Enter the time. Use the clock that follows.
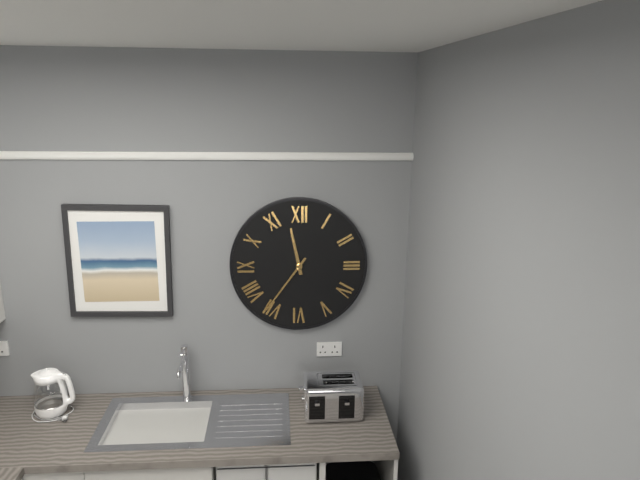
11:36
